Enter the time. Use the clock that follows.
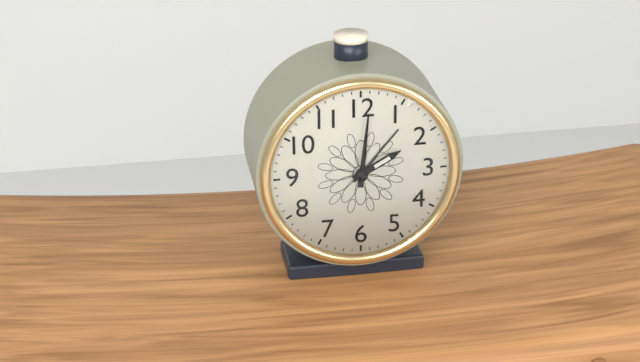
2:01
